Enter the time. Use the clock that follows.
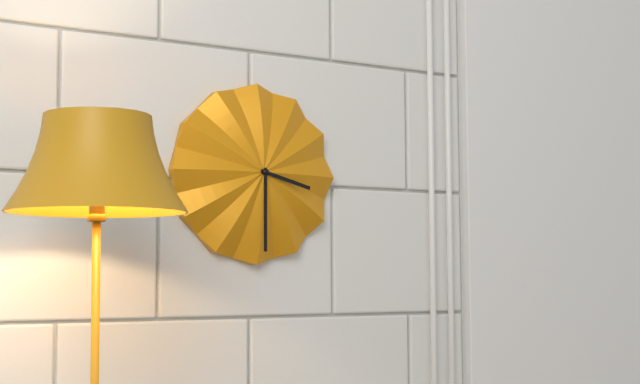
3:30
